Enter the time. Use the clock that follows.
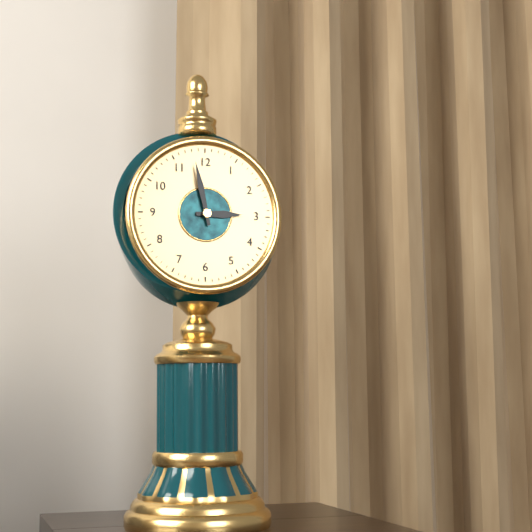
2:58
